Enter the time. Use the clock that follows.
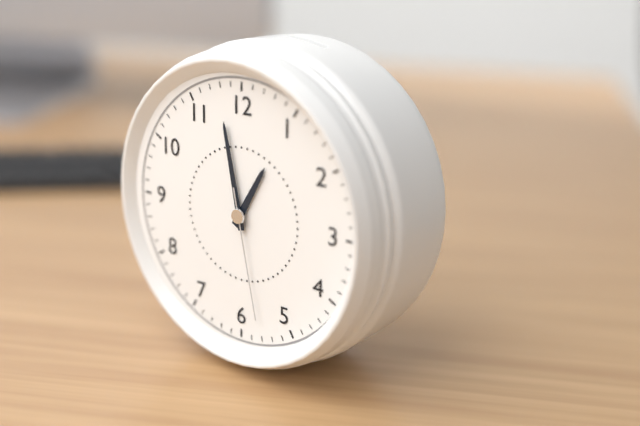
12:58:28
